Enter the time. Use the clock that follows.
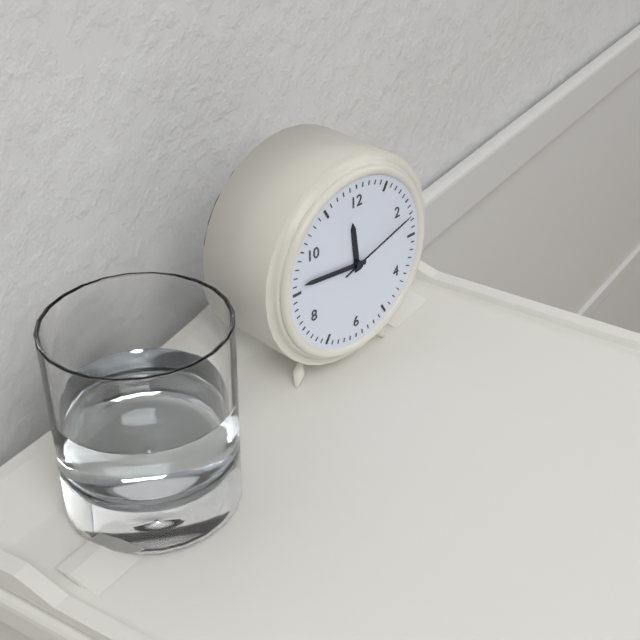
11:46:12
